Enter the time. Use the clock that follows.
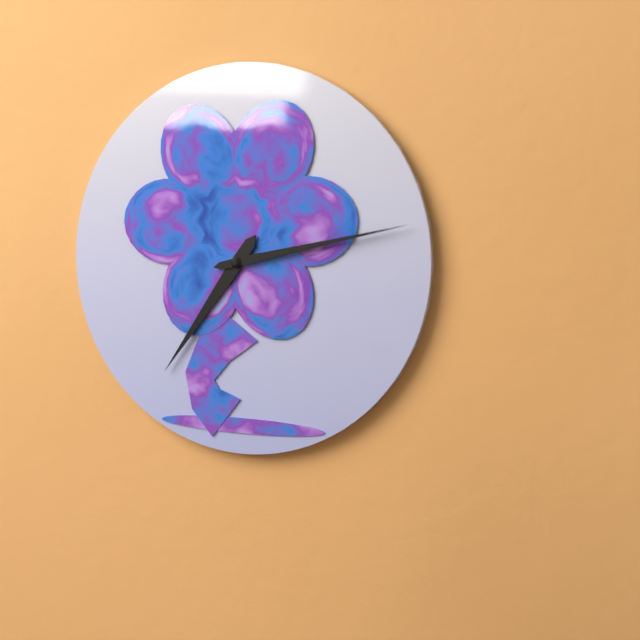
7:13
